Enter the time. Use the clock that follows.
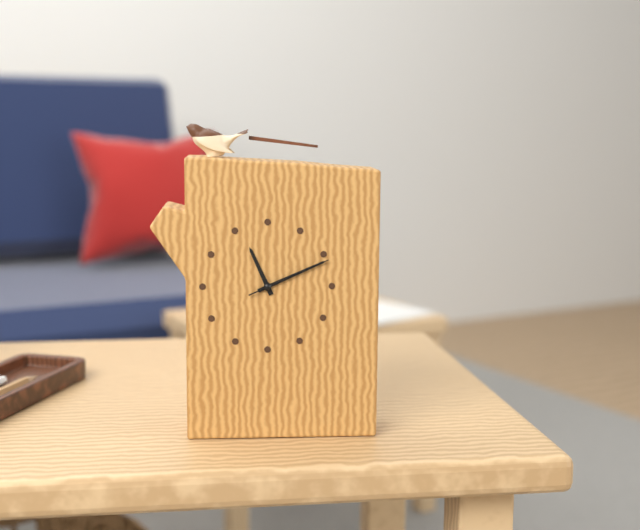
11:11:11
